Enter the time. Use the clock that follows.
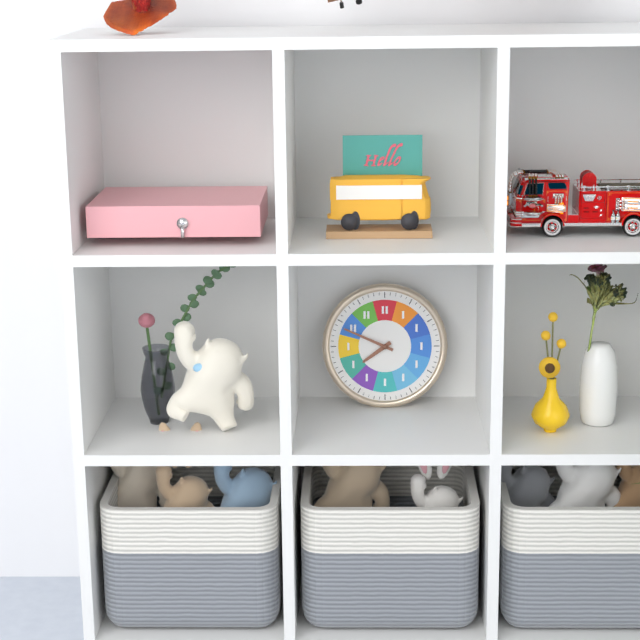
7:49
